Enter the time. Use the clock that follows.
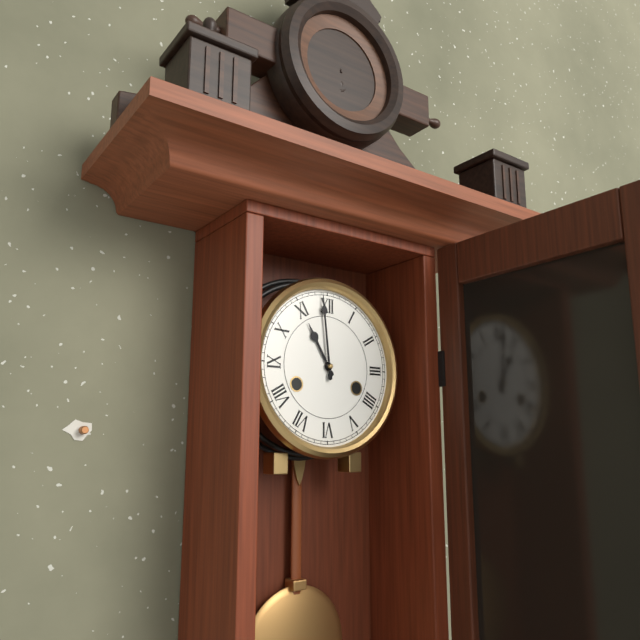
10:59
